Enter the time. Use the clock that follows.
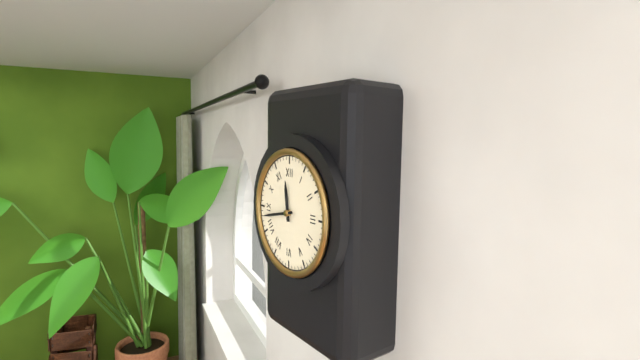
11:43
